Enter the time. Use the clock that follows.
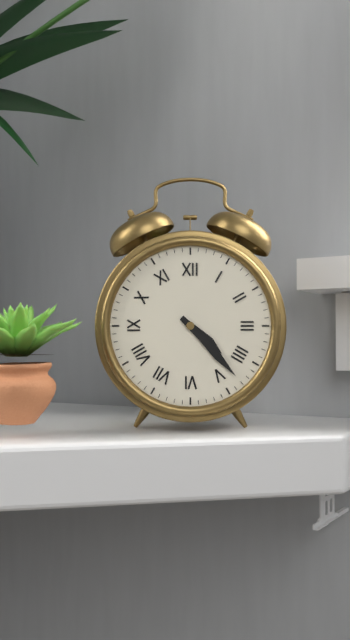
4:23
